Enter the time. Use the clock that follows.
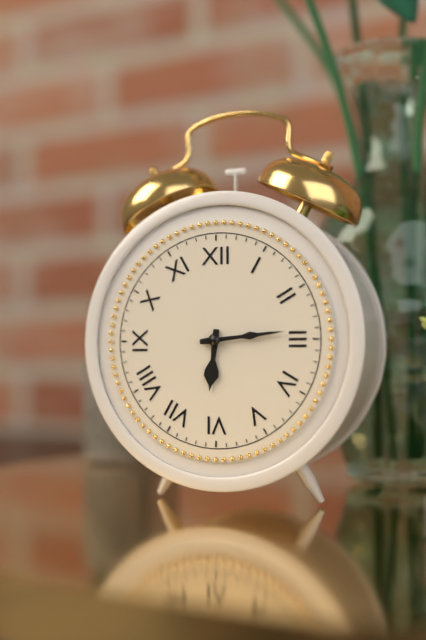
6:14
